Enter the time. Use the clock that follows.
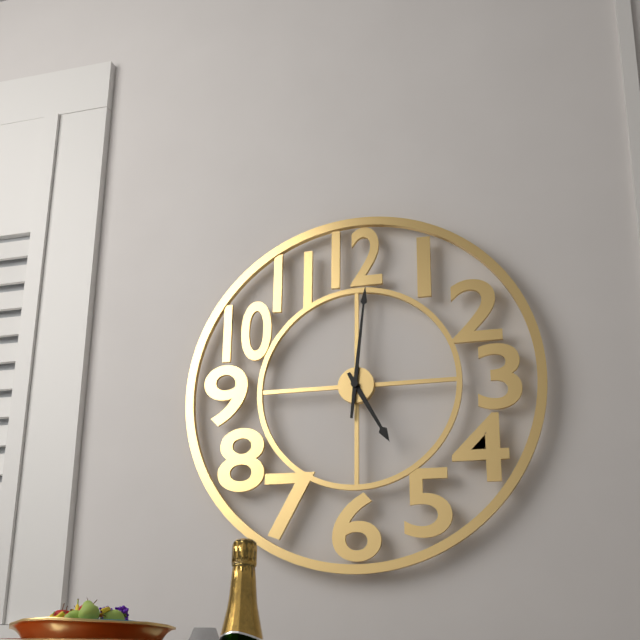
5:01
